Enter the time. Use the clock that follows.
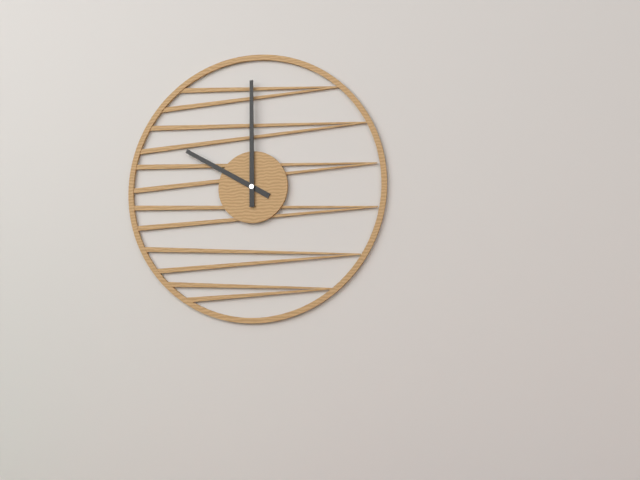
10:00
